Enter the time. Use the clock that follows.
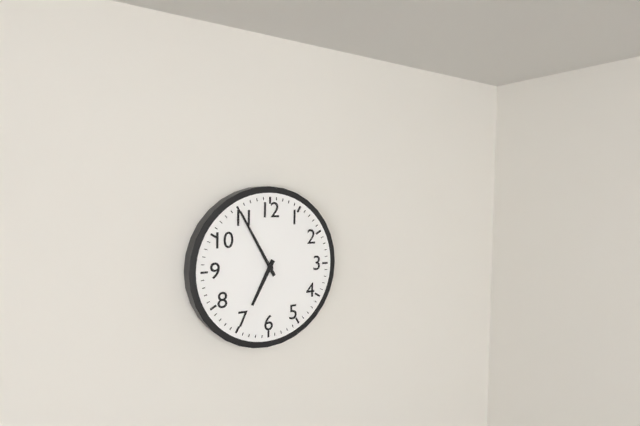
6:55
